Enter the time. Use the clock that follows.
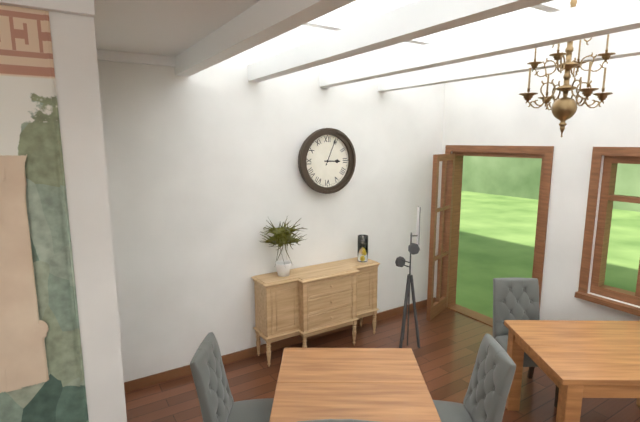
3:04
